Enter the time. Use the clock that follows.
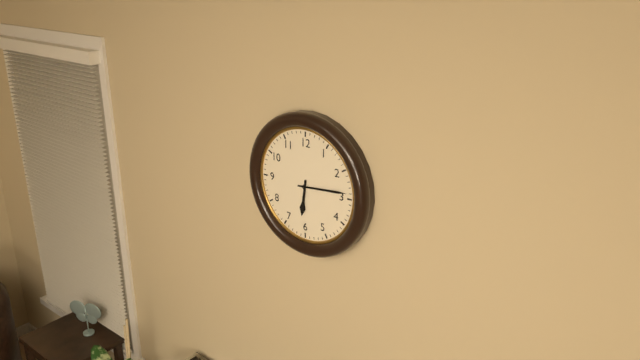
6:14
